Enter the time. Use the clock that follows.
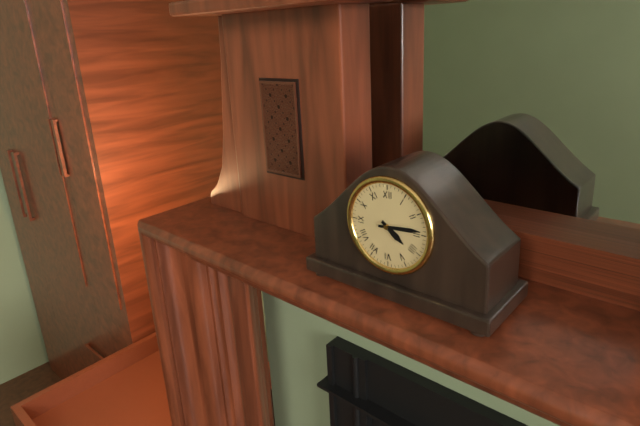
4:14
